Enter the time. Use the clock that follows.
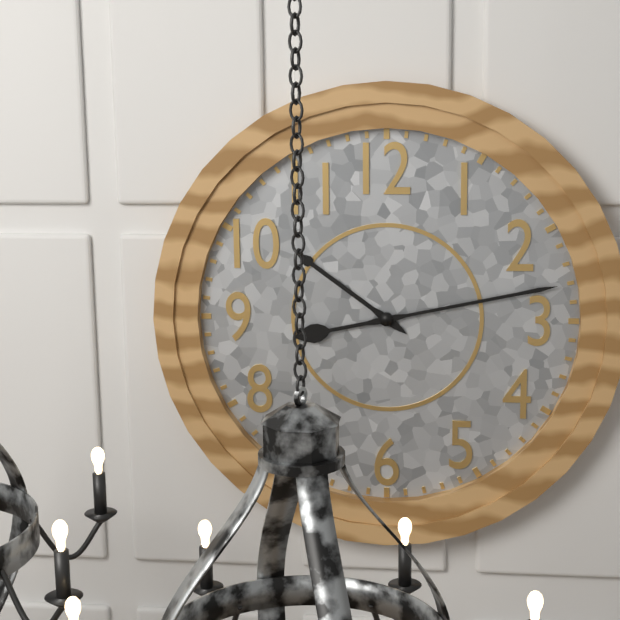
10:13
